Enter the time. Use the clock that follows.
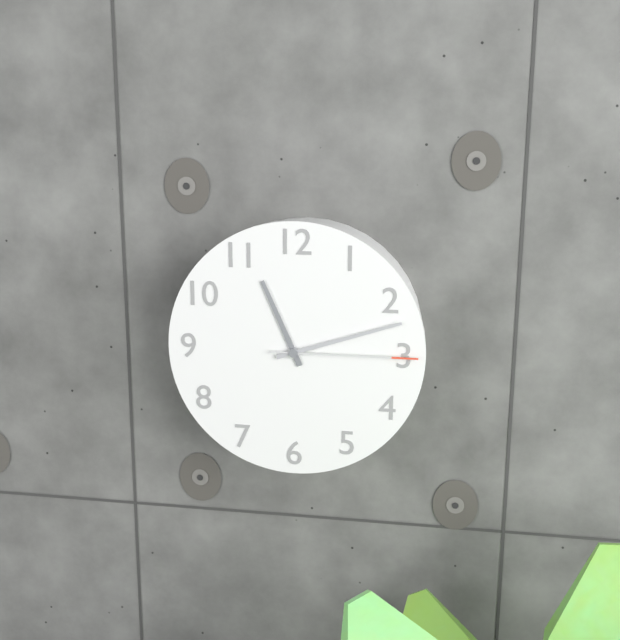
11:12:15
